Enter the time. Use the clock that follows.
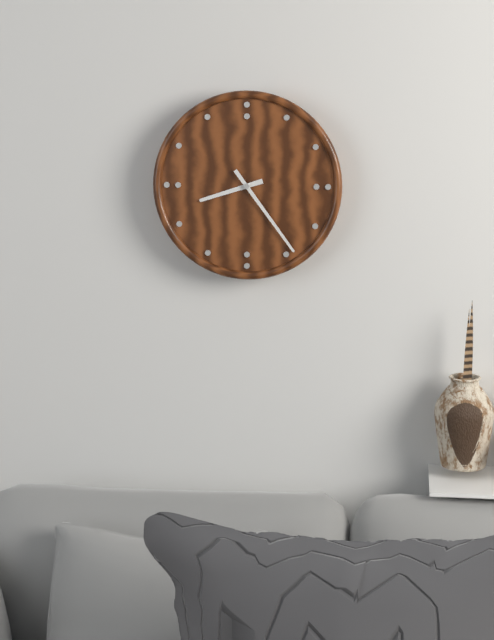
8:24
